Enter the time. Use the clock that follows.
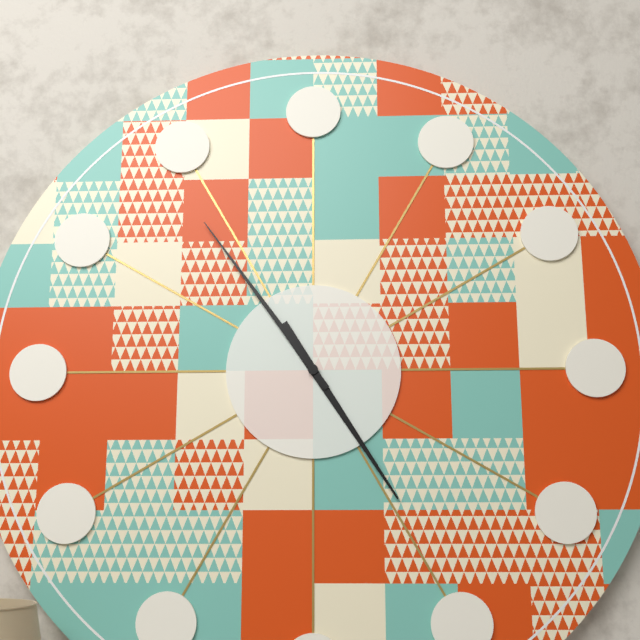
4:54
